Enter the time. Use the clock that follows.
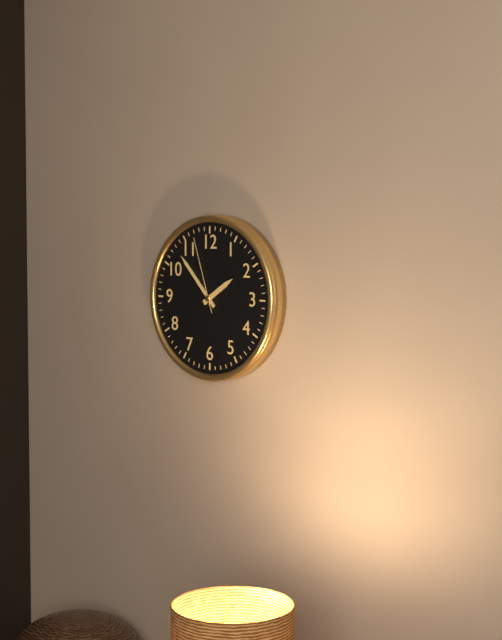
1:53:57
